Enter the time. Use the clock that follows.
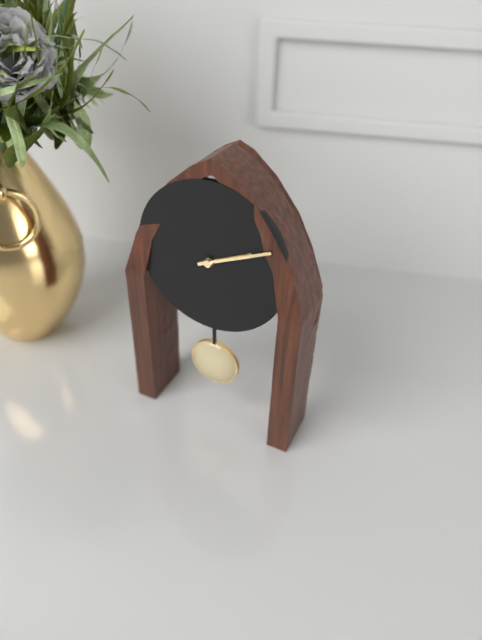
2:11
